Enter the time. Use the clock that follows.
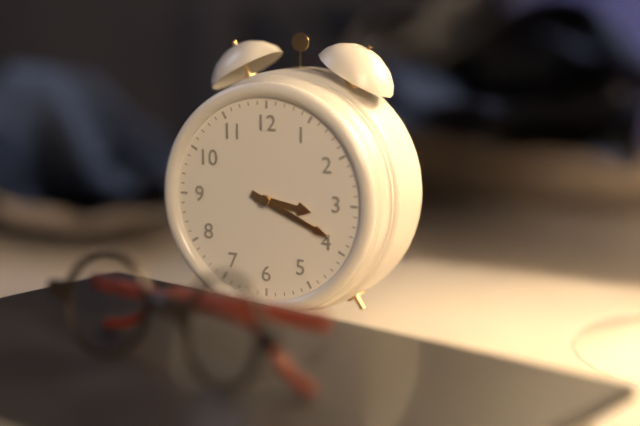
3:19
